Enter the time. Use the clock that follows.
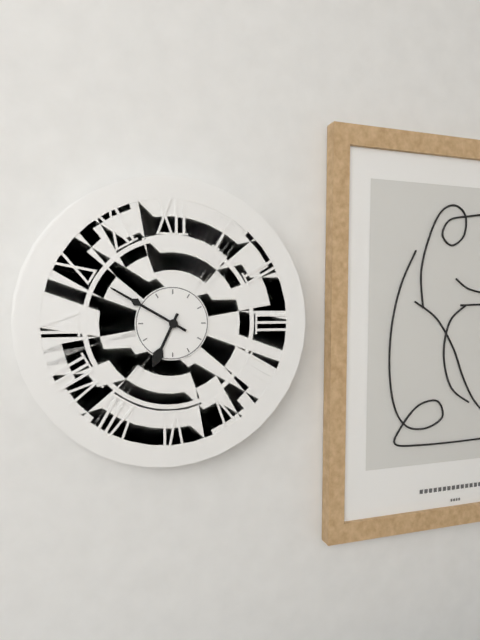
6:50
